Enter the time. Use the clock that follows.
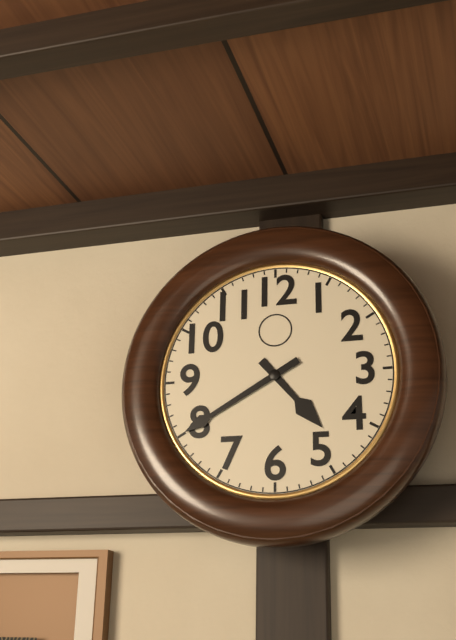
4:40
